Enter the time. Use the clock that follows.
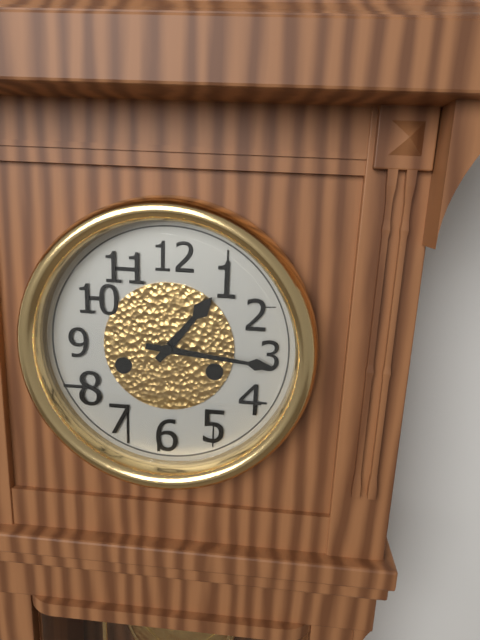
1:16
